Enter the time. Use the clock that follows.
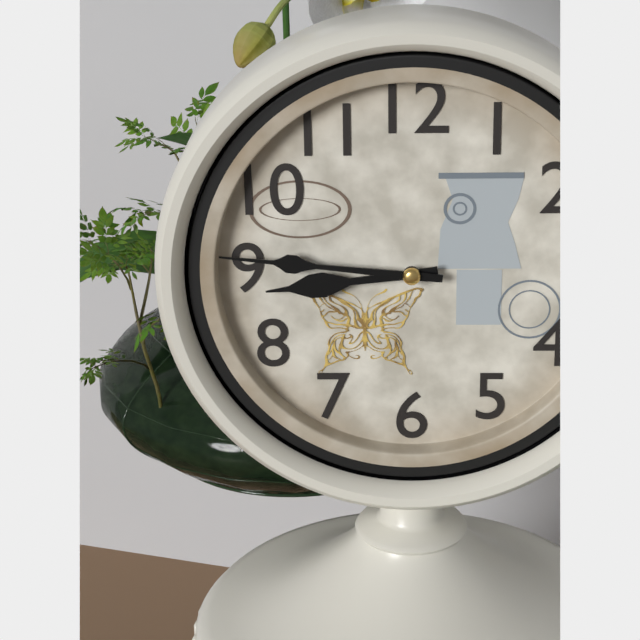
8:46
